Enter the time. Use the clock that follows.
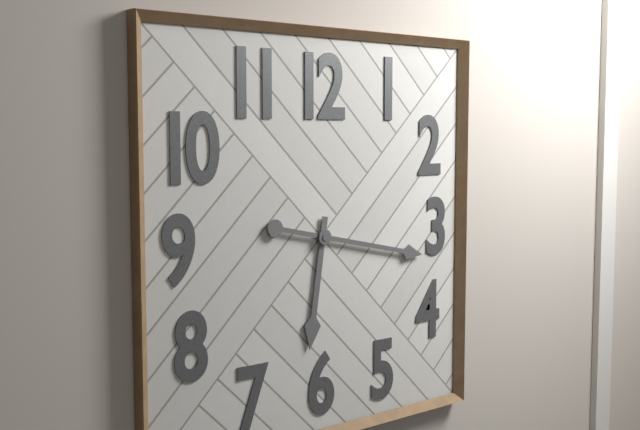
6:17
